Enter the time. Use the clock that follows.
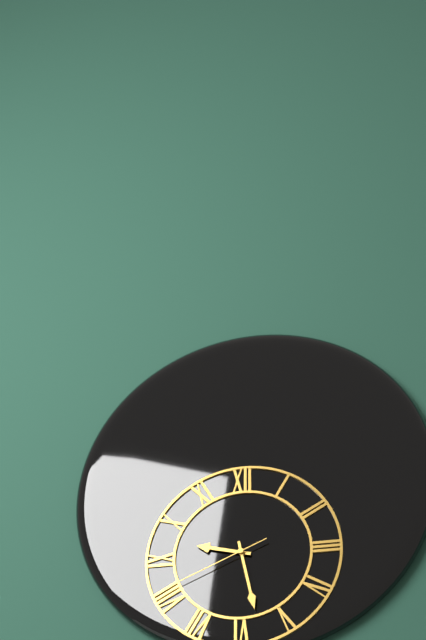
9:28:41
